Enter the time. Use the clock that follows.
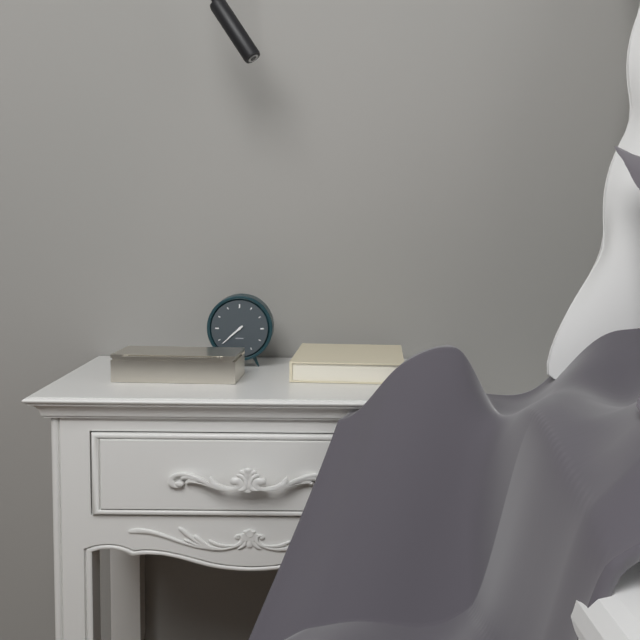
7:38
